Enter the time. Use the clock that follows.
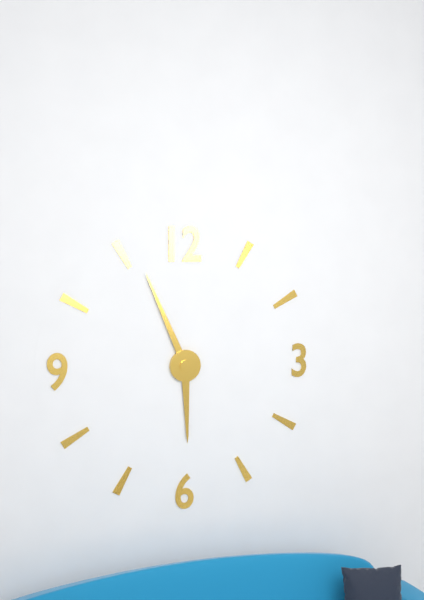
5:56
